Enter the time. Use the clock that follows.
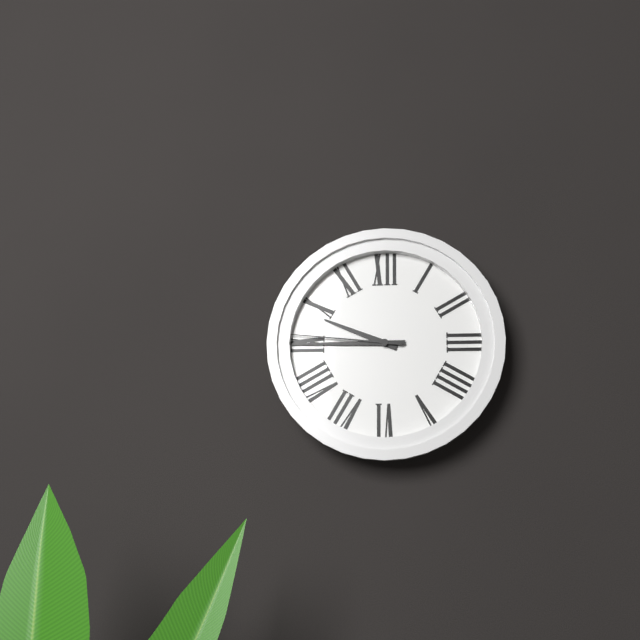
9:45:46
